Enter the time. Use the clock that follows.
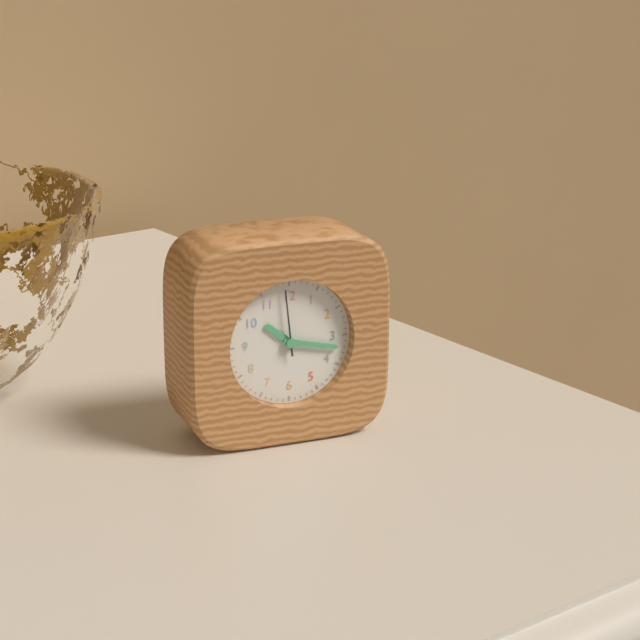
10:17:59
